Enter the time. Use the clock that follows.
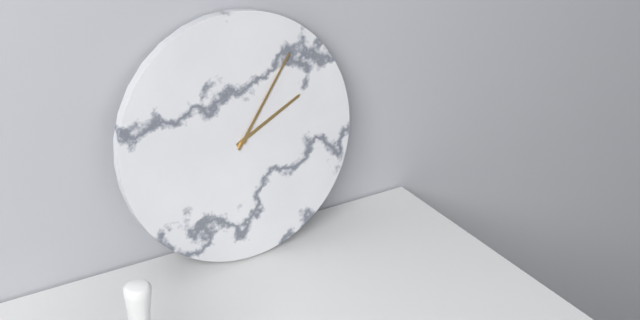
2:06
